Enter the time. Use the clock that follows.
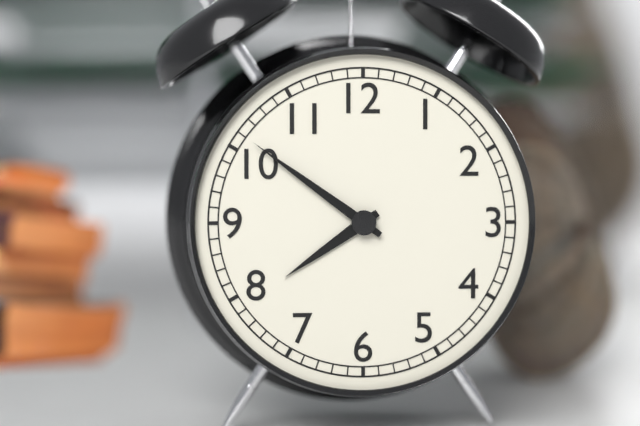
7:51
